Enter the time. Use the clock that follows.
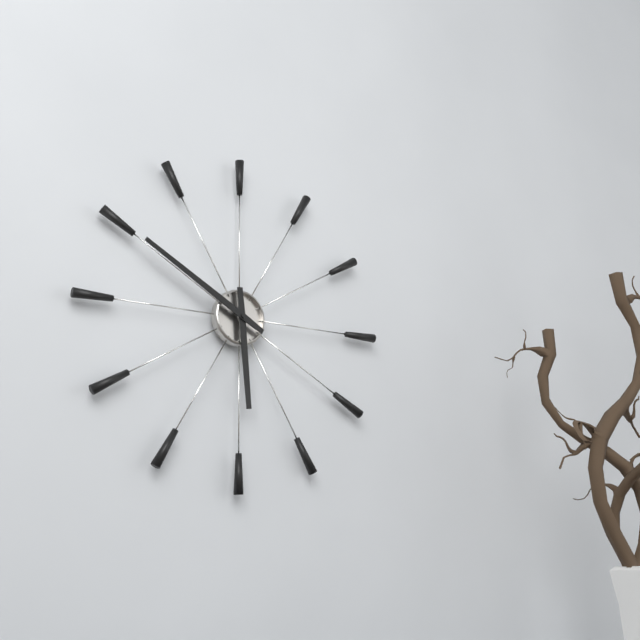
5:50
